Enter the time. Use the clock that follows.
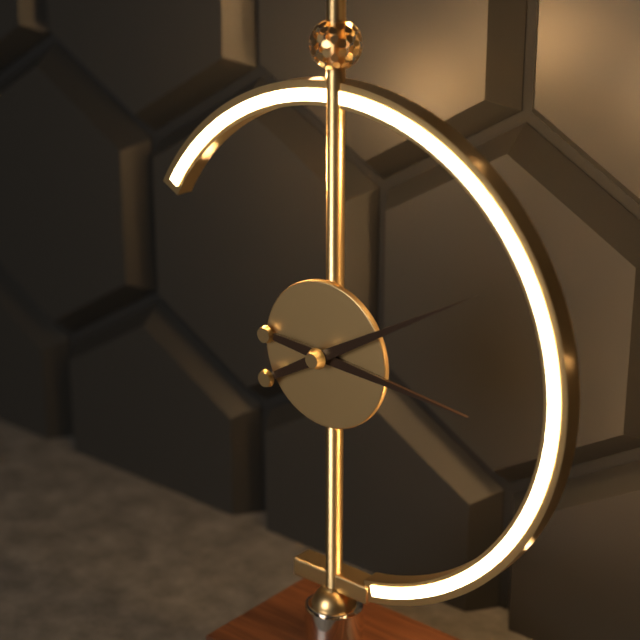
3:10
